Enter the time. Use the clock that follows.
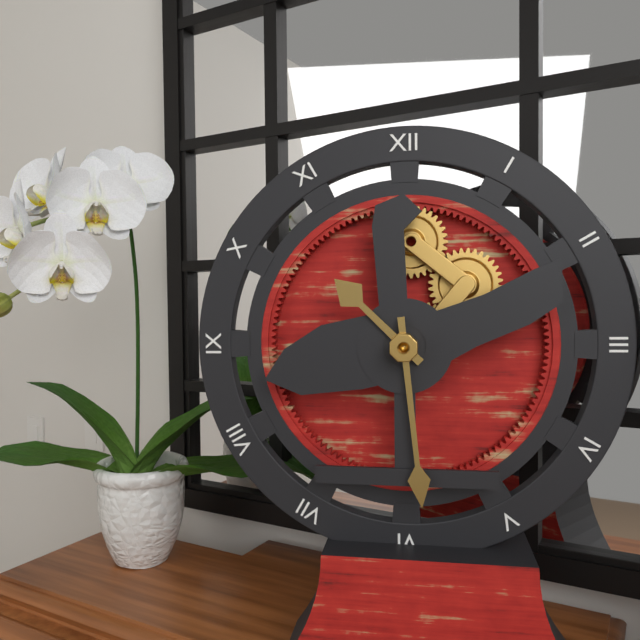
10:29
